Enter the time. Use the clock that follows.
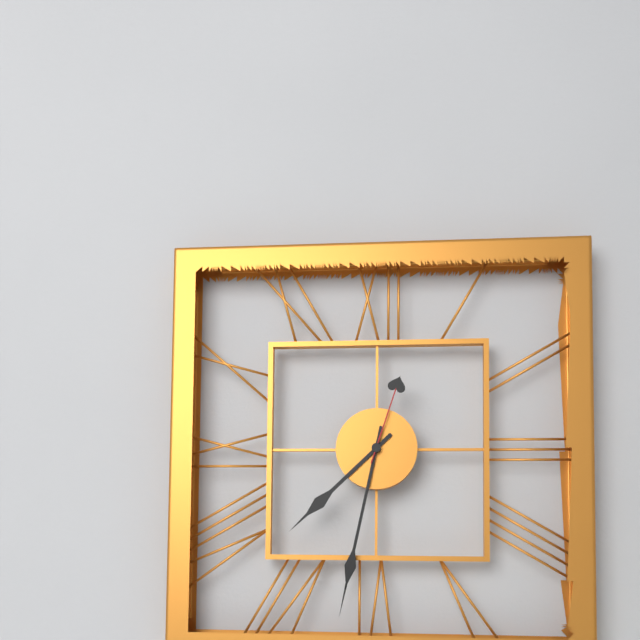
7:32:03
